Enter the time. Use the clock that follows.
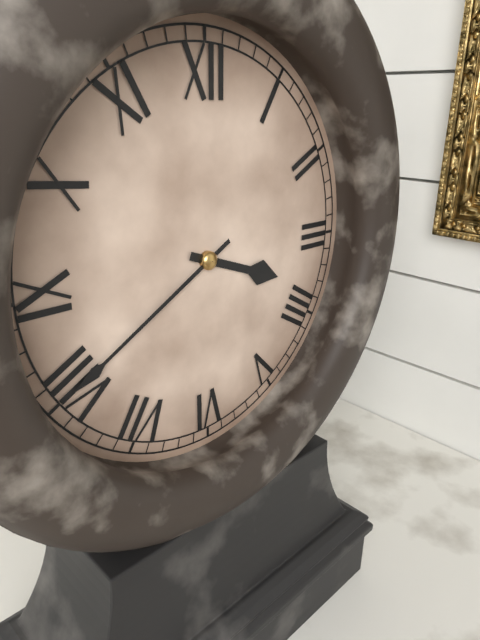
3:40
